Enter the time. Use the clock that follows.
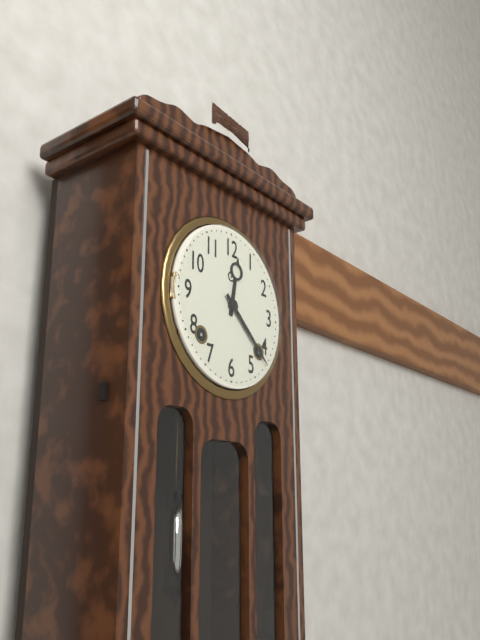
12:22
